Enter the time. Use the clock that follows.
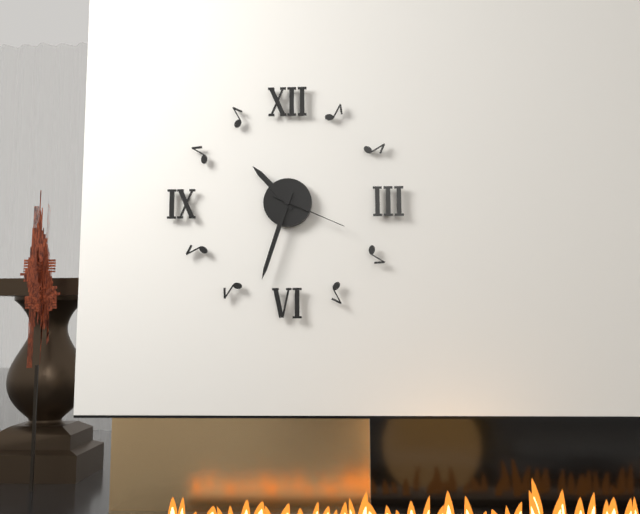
10:33:19
